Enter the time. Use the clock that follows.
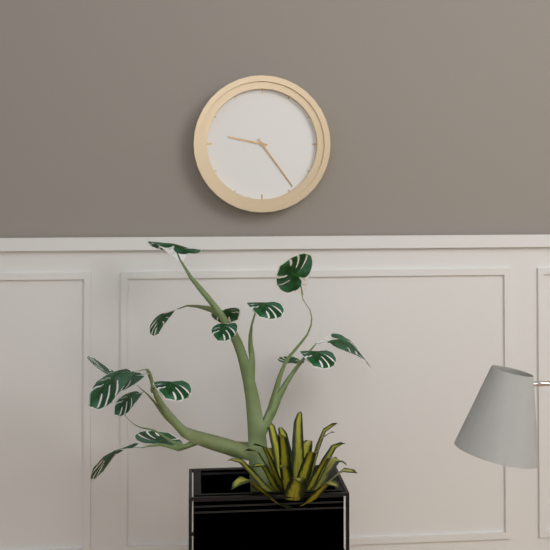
9:24
